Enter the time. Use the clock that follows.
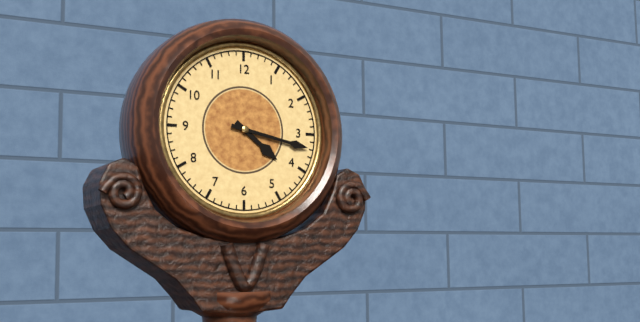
4:17
